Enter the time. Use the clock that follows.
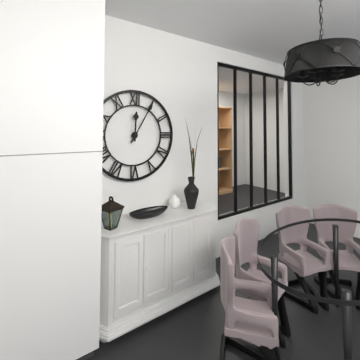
12:05
